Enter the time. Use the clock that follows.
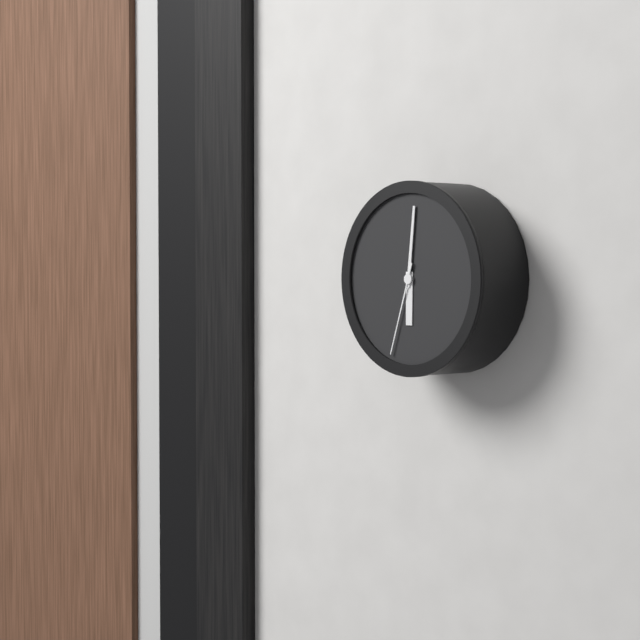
6:01:33
